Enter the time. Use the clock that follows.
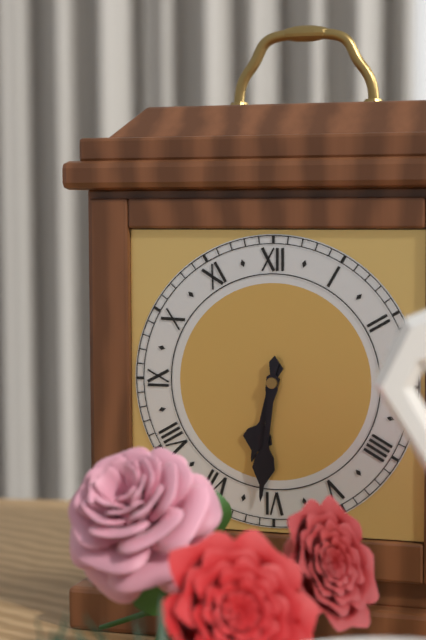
6:31
